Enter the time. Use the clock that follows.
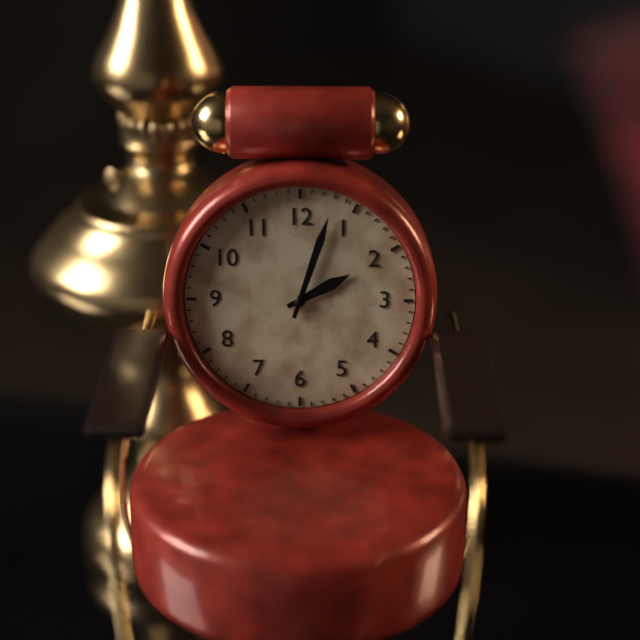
2:03
